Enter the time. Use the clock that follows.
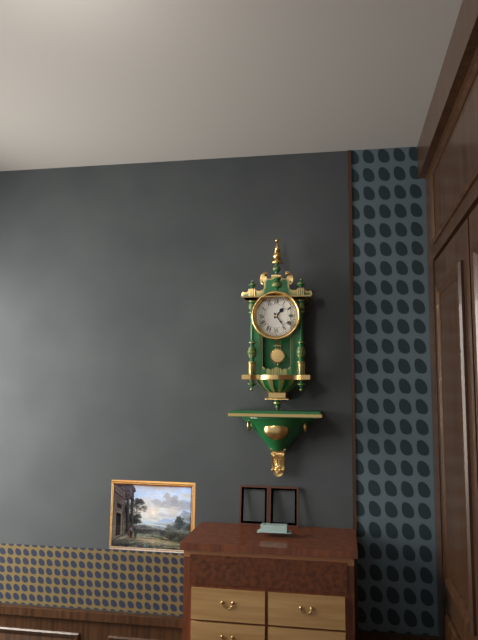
1:24
